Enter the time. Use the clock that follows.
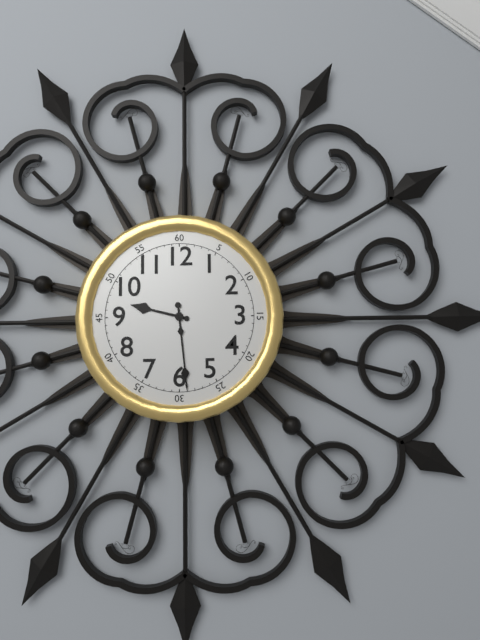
9:29
